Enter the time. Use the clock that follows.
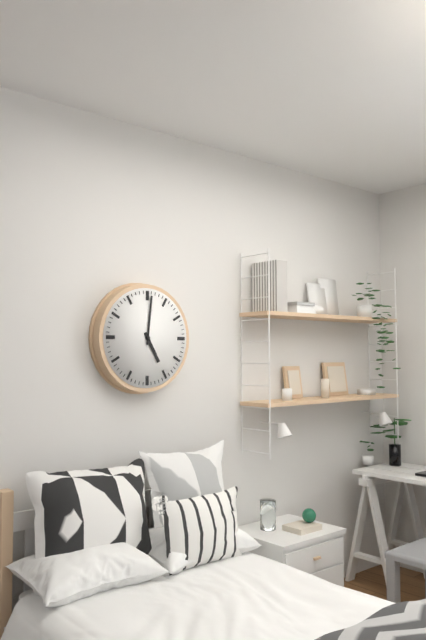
5:01
